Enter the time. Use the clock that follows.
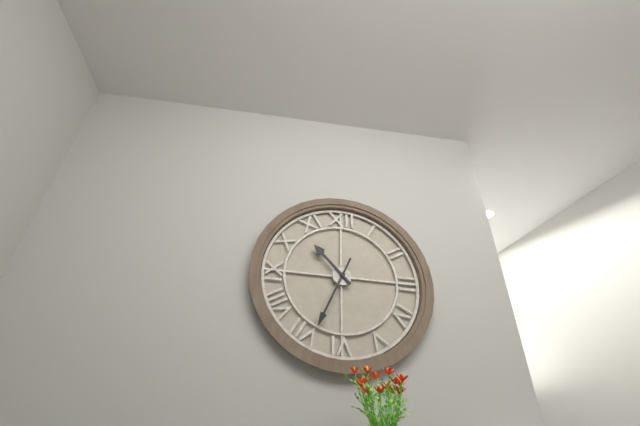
10:34
